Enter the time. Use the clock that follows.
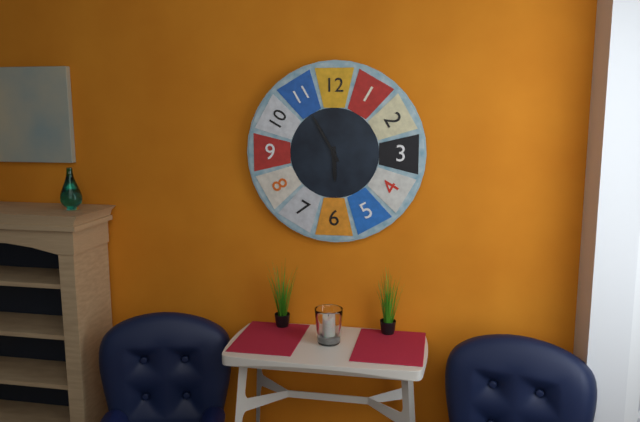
5:55
